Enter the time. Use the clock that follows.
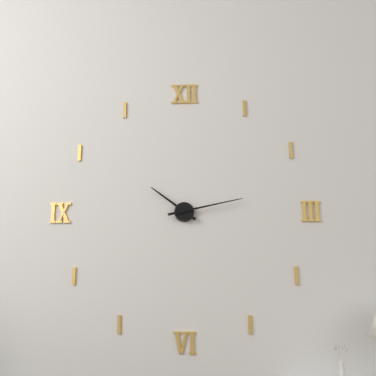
10:13
